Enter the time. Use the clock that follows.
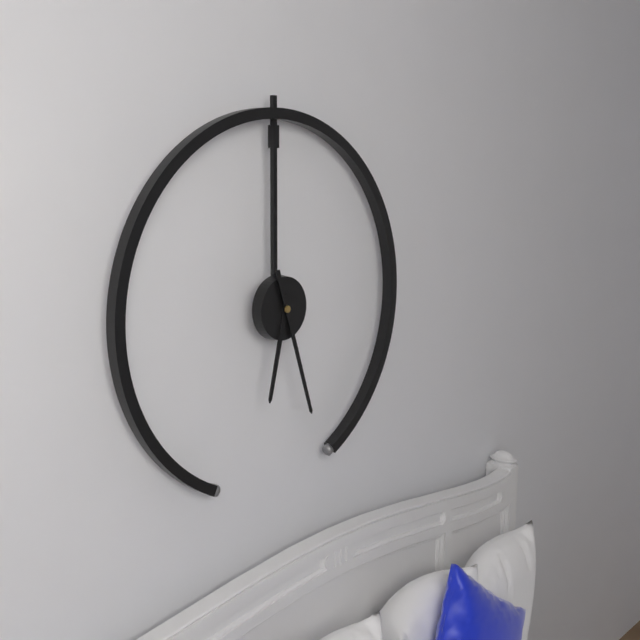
6:27
